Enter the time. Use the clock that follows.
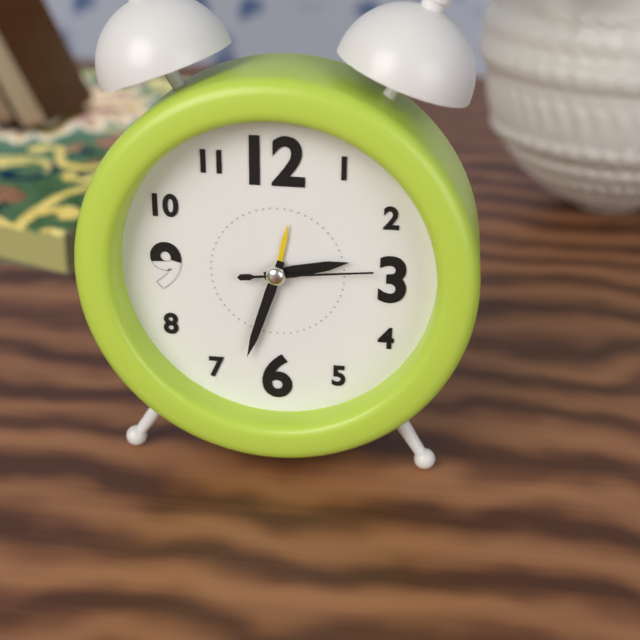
2:33:14
